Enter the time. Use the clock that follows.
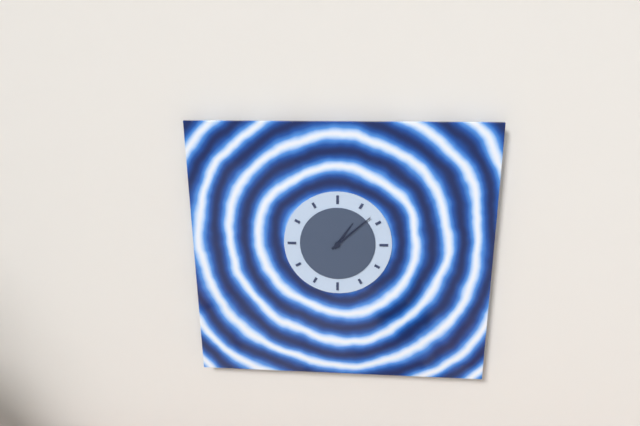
1:08
